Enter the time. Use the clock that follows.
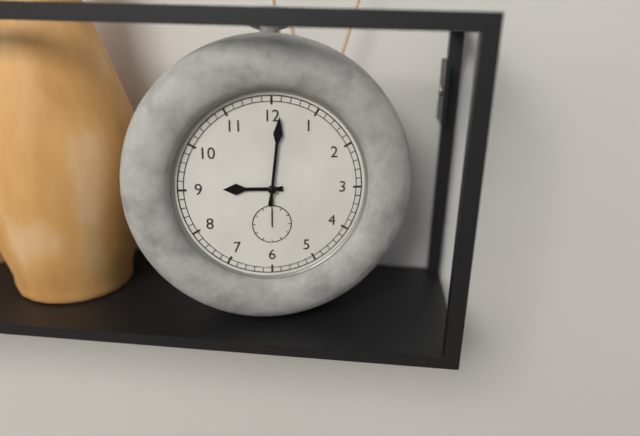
9:01
